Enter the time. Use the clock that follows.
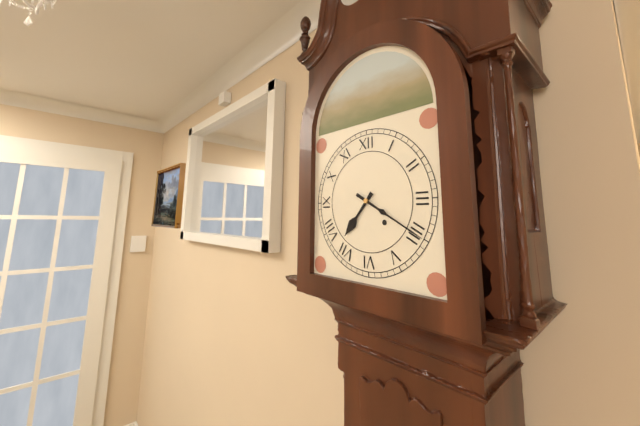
7:20
